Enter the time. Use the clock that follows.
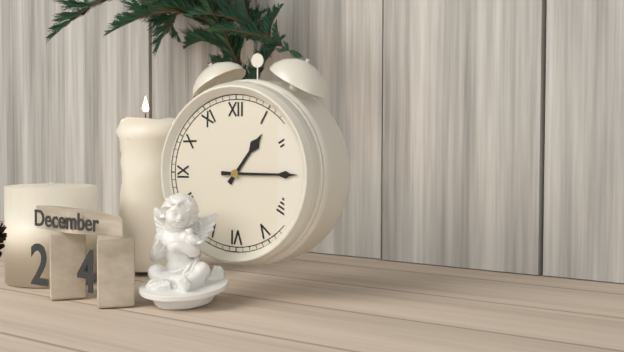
1:15
